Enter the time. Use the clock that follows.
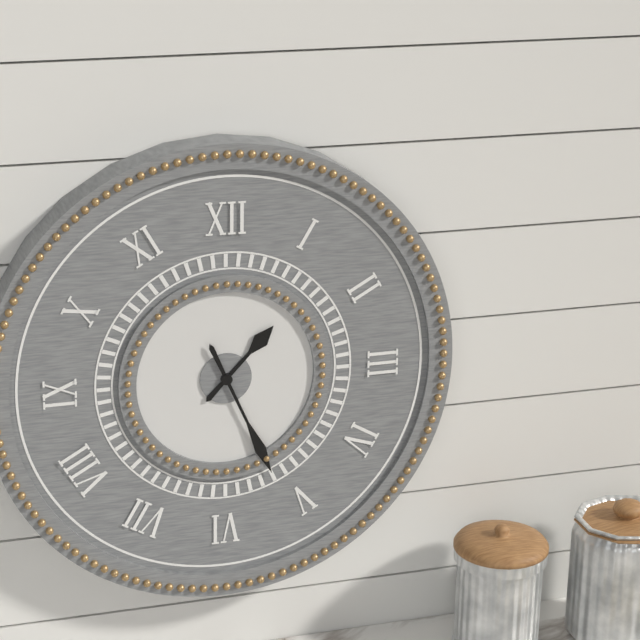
1:26
